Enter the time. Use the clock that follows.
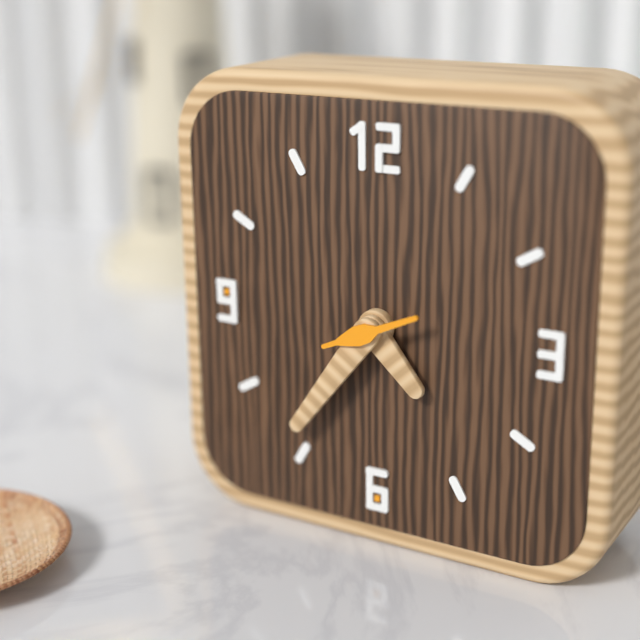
4:36:11
